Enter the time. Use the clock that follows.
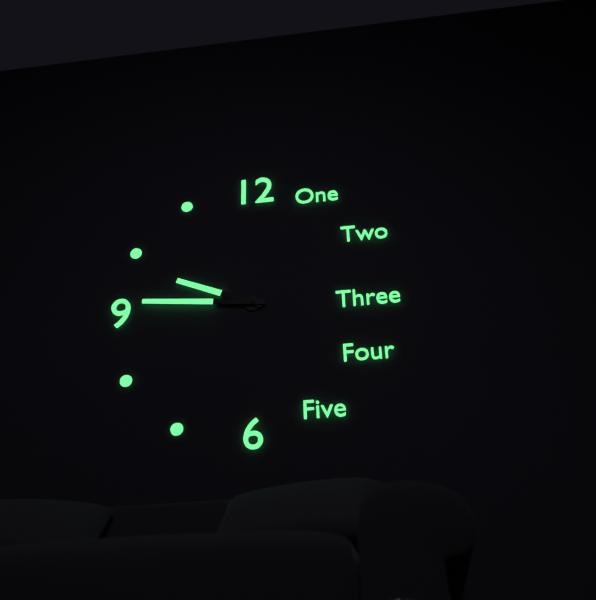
9:46
